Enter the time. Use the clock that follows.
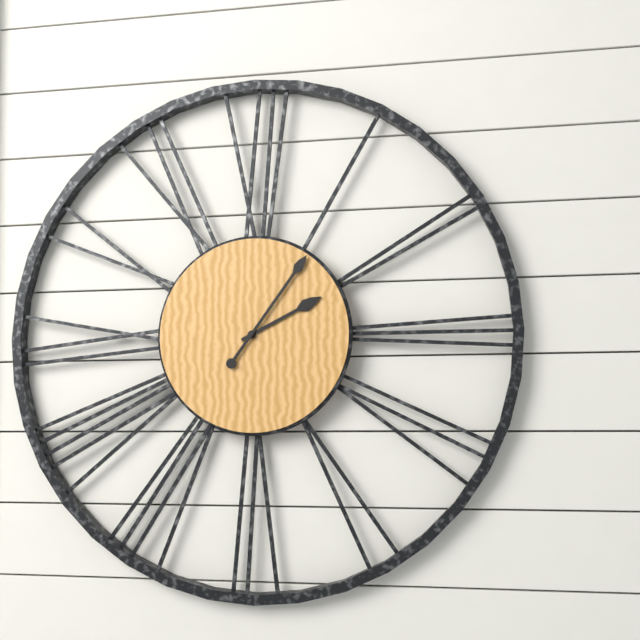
2:06
